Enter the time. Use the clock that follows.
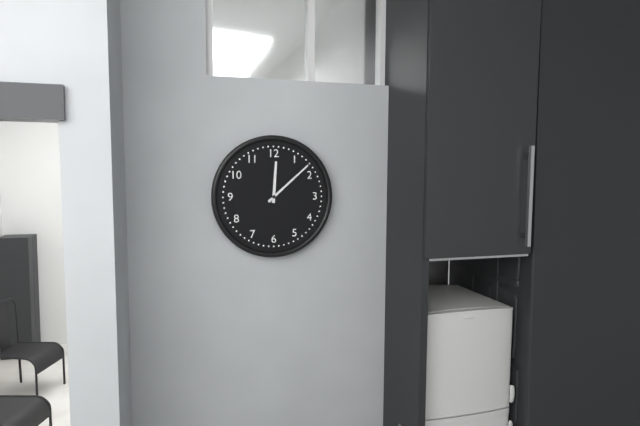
12:08
